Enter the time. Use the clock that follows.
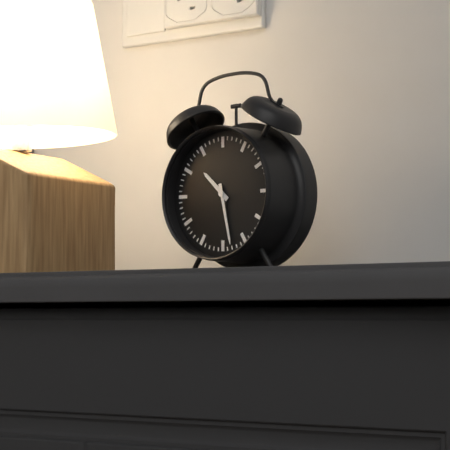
10:28
